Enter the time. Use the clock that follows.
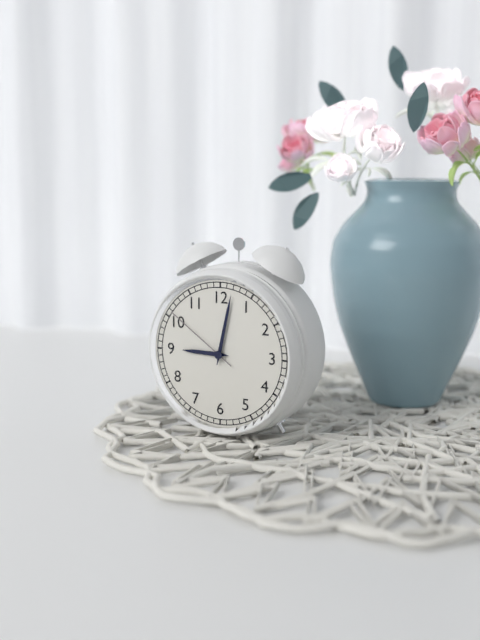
9:02:51
